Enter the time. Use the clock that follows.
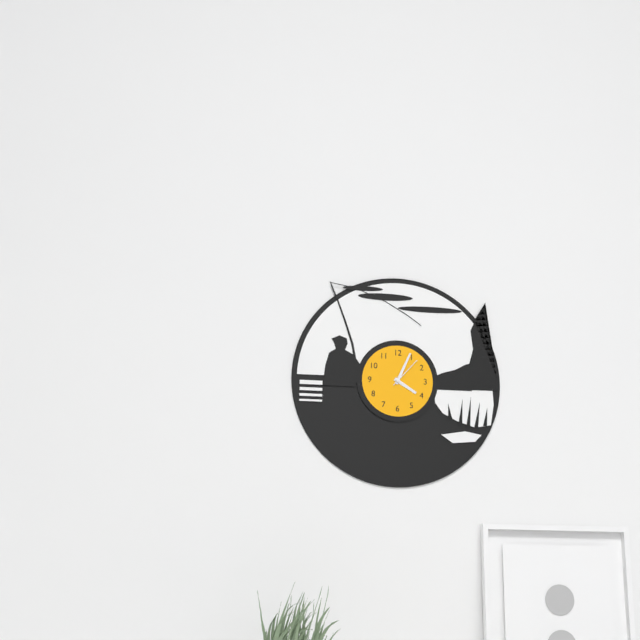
4:04
